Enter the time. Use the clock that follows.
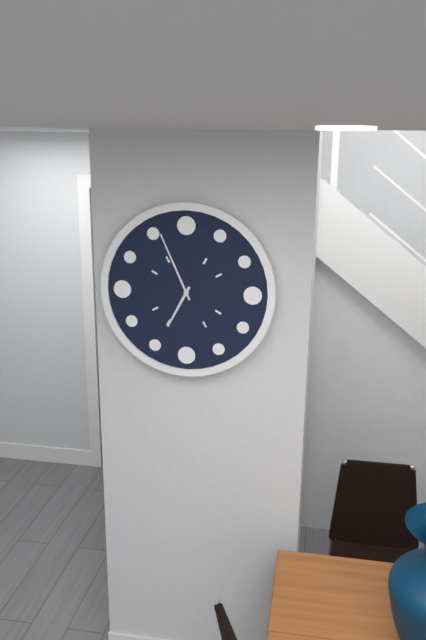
6:56
